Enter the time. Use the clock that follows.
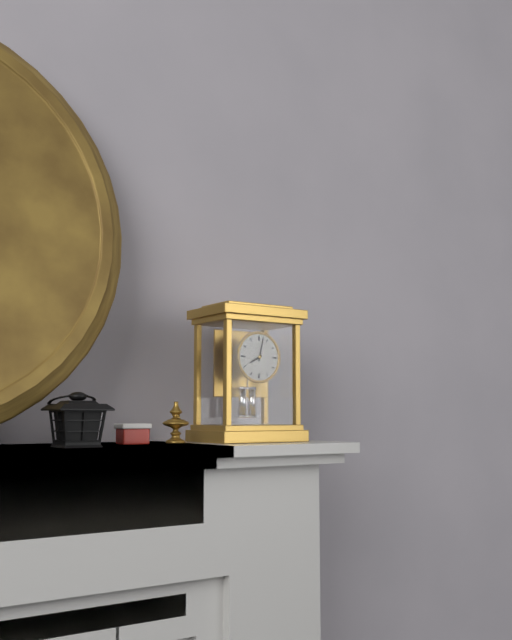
8:02
